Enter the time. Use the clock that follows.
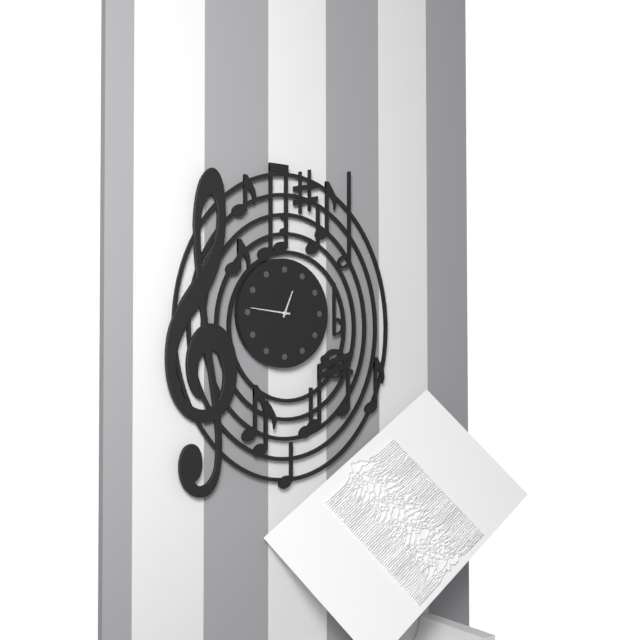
12:46
